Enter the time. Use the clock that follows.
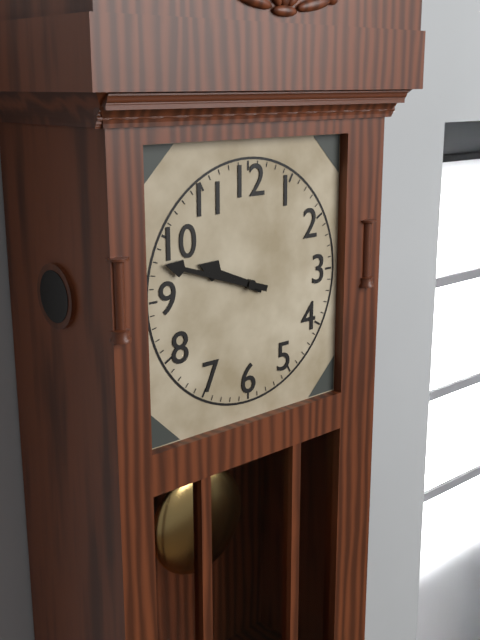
9:48
